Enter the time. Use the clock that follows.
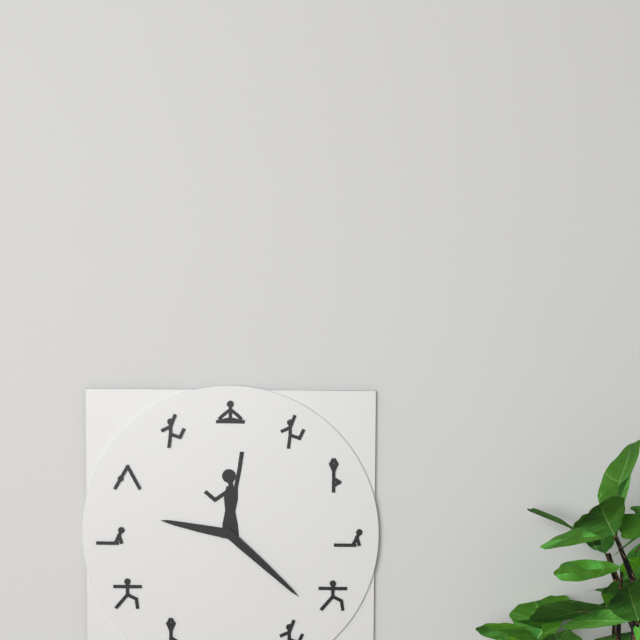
9:22
